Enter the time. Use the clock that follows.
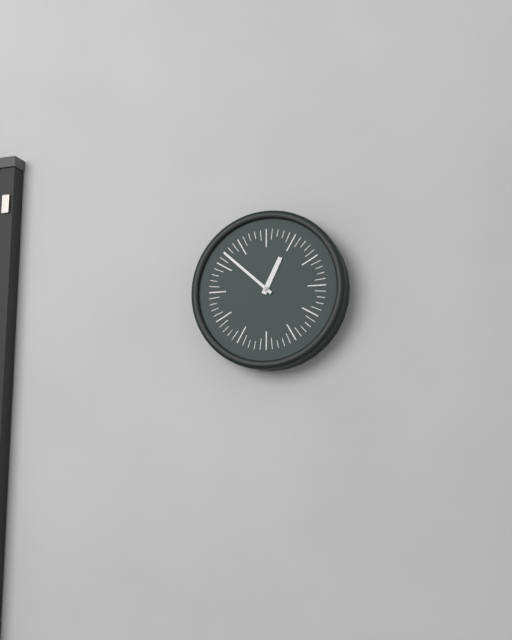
12:52
